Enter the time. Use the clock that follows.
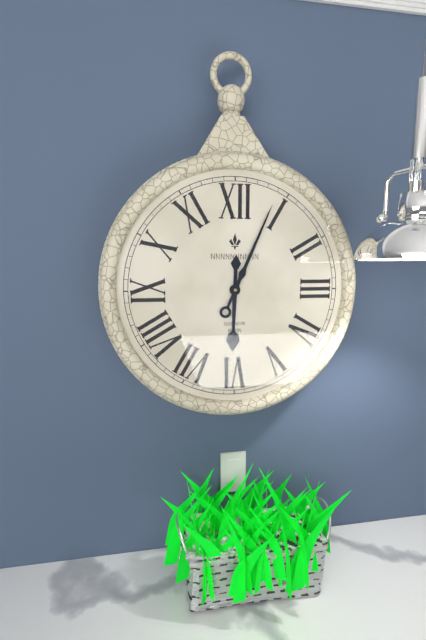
6:04
